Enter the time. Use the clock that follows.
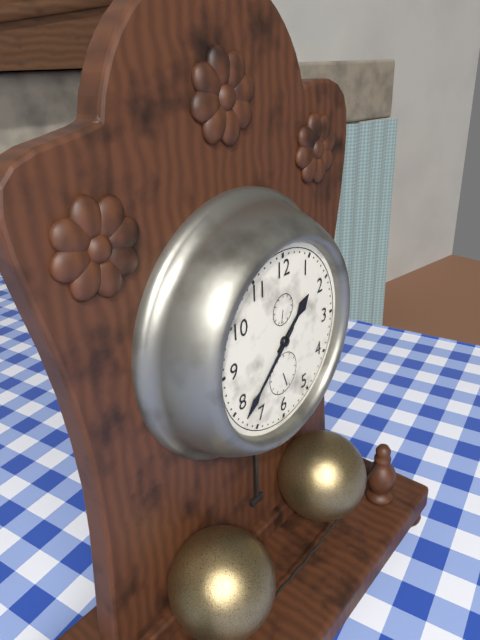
1:38
